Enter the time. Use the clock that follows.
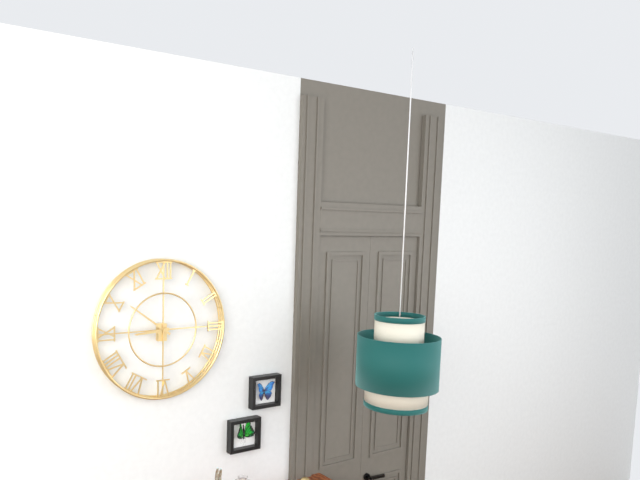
8:51
